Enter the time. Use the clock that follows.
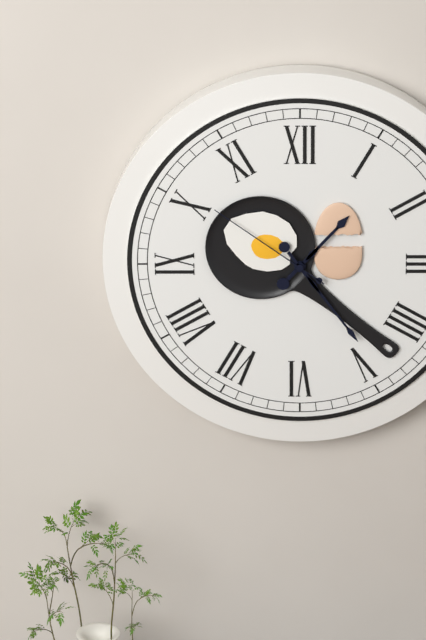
1:24:51
